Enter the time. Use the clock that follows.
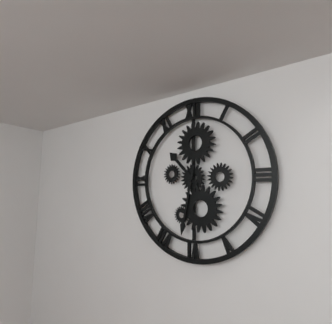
10:32
